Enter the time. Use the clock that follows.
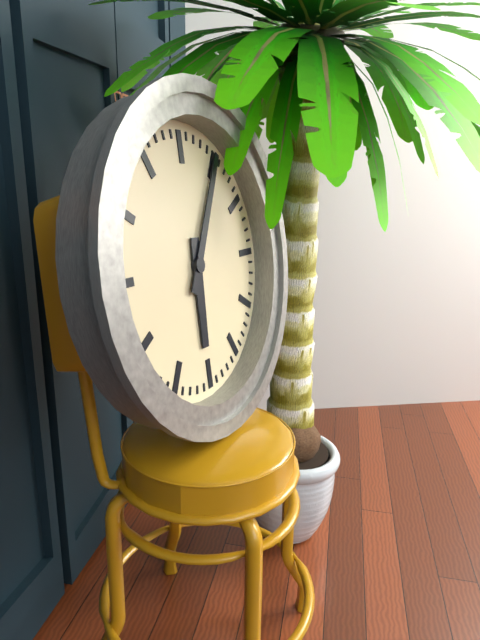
6:05
